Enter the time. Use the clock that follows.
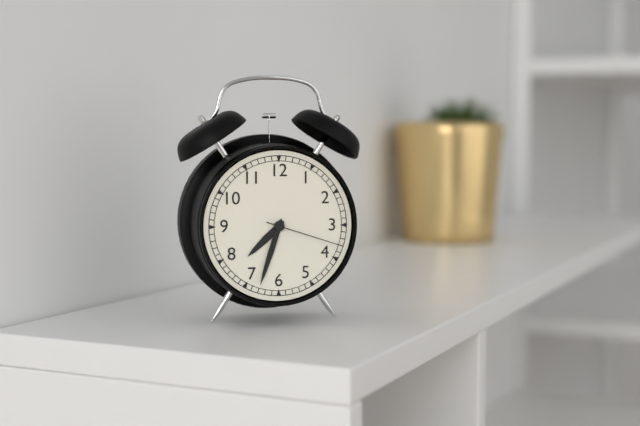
7:33:18
